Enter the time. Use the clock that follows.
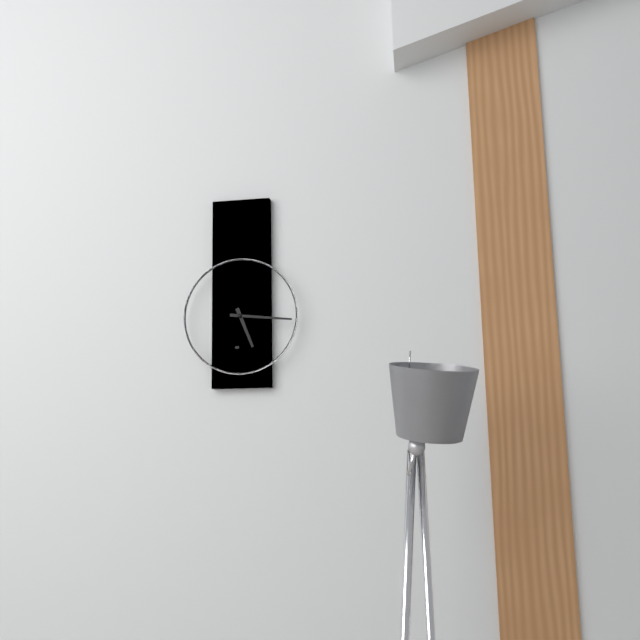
5:16
